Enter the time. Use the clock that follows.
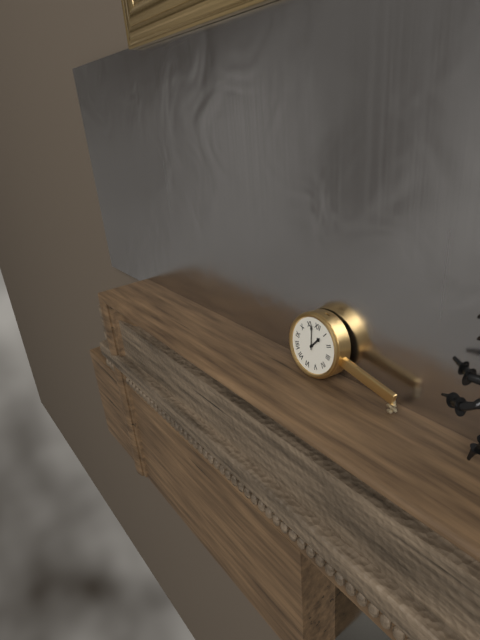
12:57
